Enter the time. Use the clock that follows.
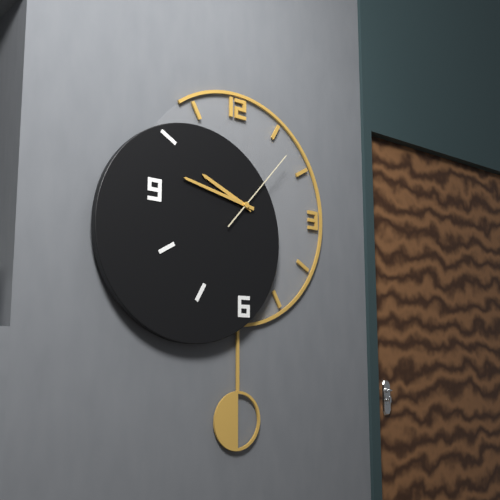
9:47:07
